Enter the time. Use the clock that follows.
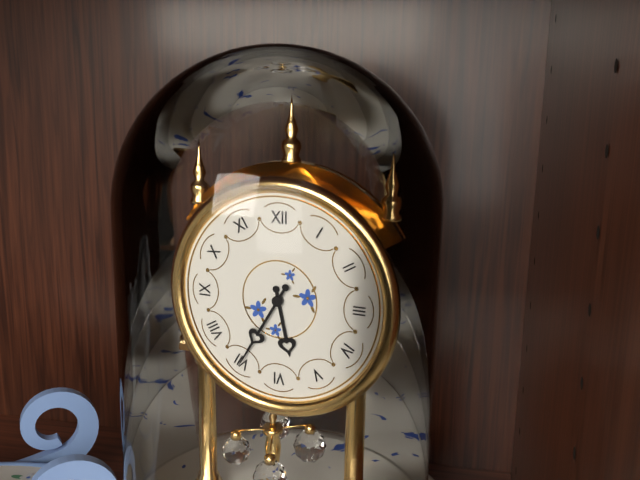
5:35
